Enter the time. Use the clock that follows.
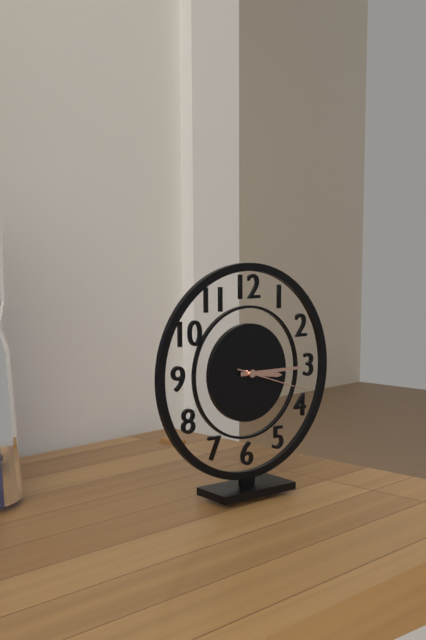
3:15:18
